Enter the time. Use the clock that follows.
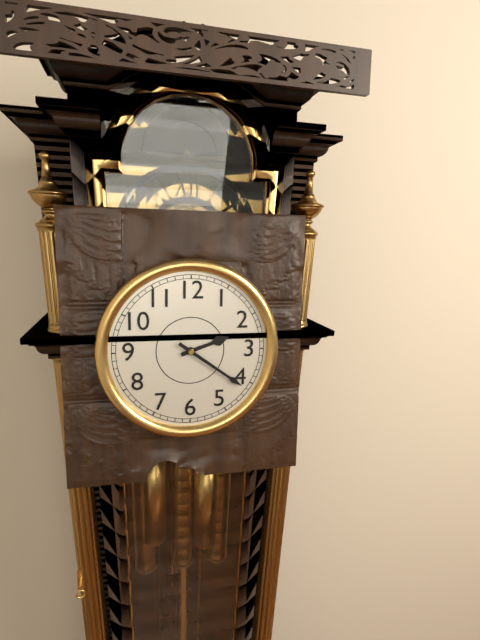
2:21
